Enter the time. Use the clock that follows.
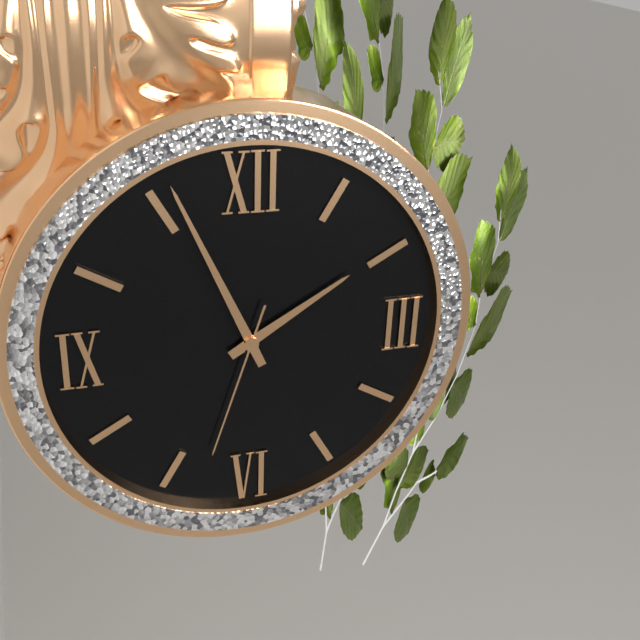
1:56:33
